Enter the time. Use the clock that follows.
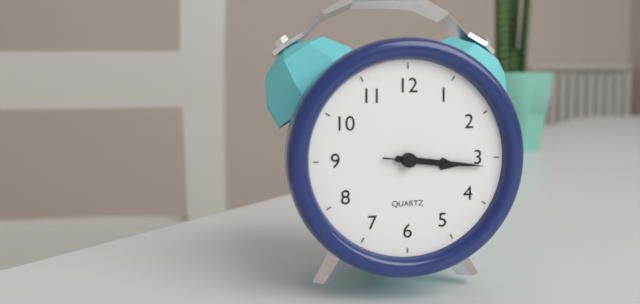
3:16:16
